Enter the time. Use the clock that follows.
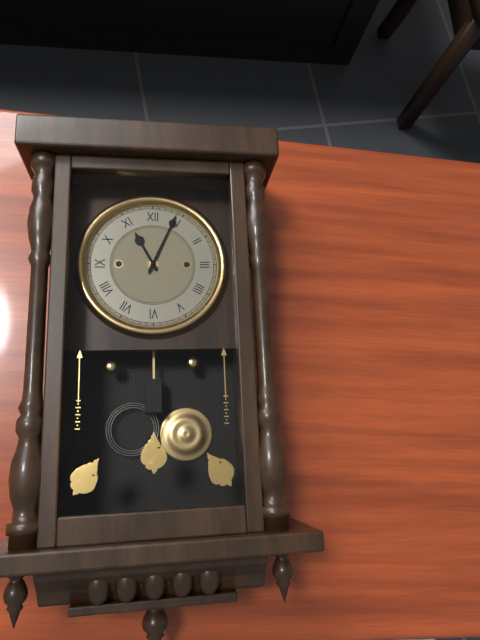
11:04
